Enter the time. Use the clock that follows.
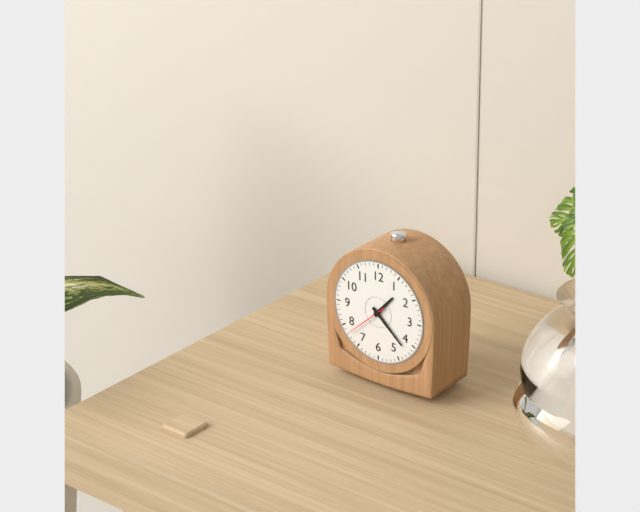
1:22
